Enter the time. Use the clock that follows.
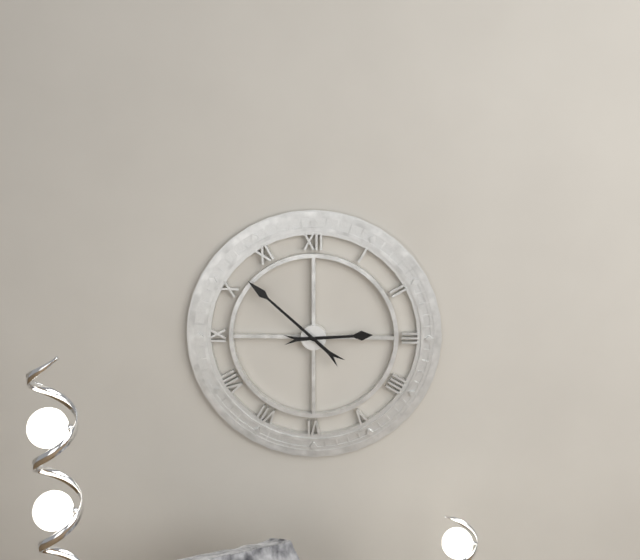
2:52
